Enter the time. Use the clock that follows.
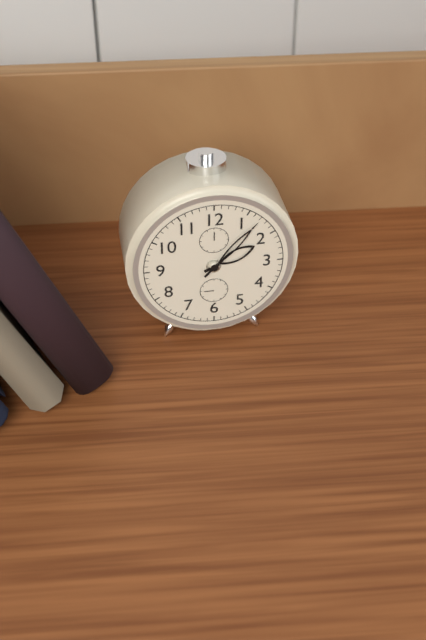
2:07
